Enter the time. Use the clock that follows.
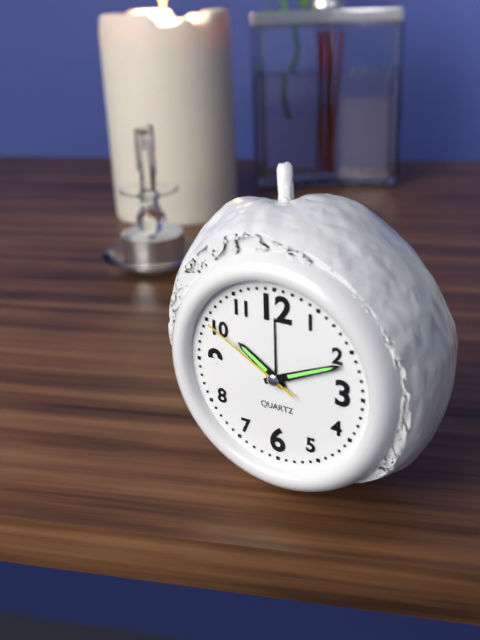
10:11:50
